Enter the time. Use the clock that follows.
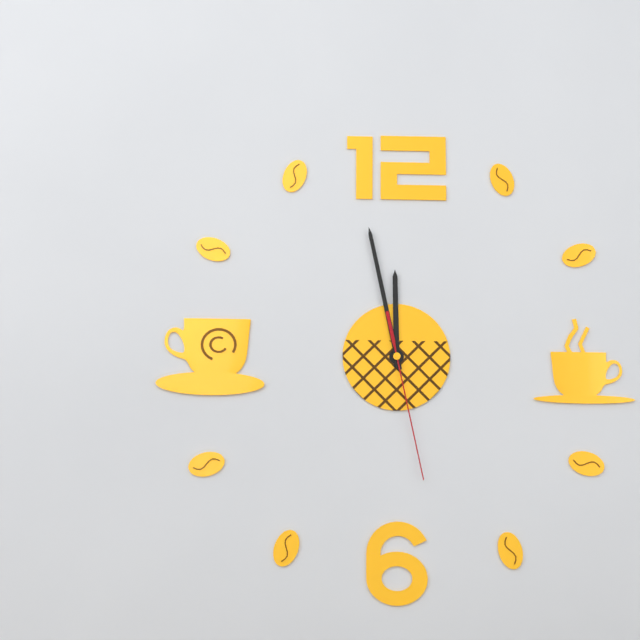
11:58:28
